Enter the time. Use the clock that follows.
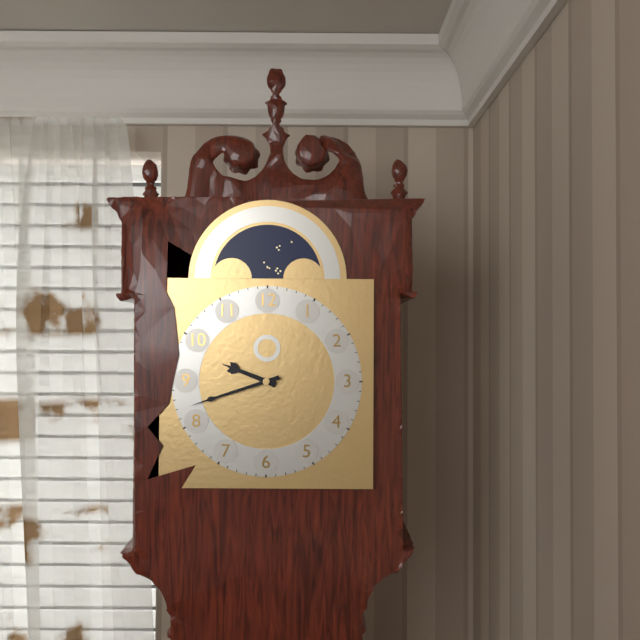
9:42
